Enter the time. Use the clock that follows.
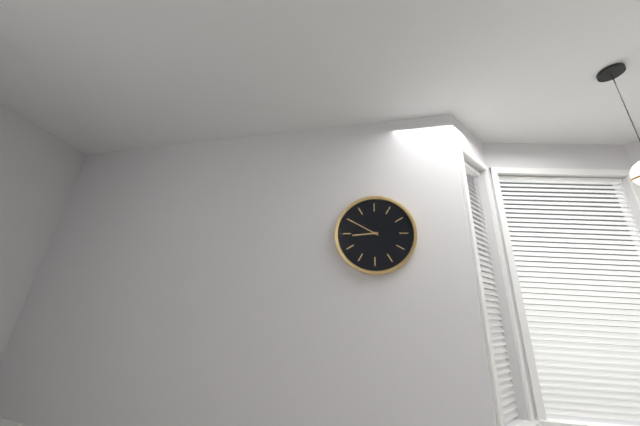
8:50
